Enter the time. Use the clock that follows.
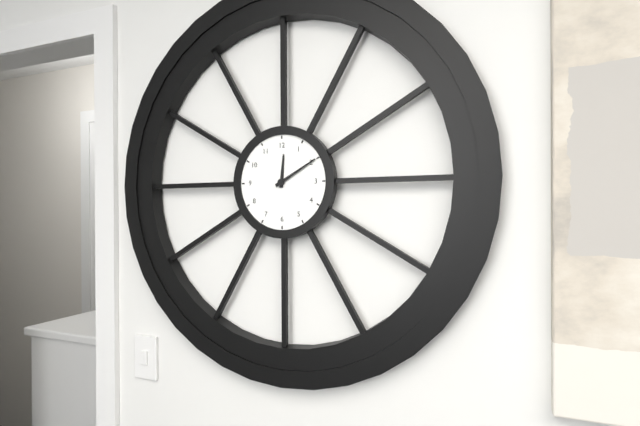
12:10
